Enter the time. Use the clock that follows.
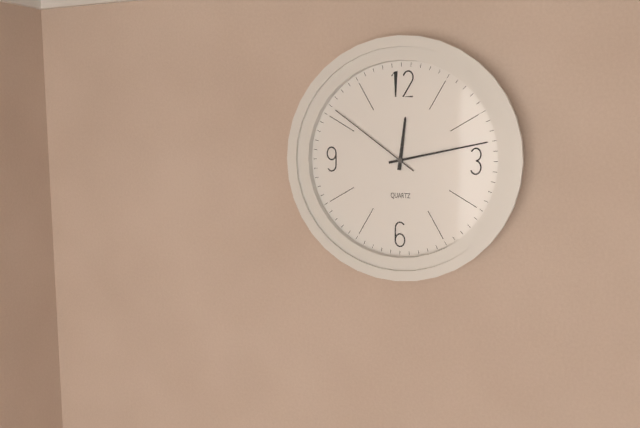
12:13:51
